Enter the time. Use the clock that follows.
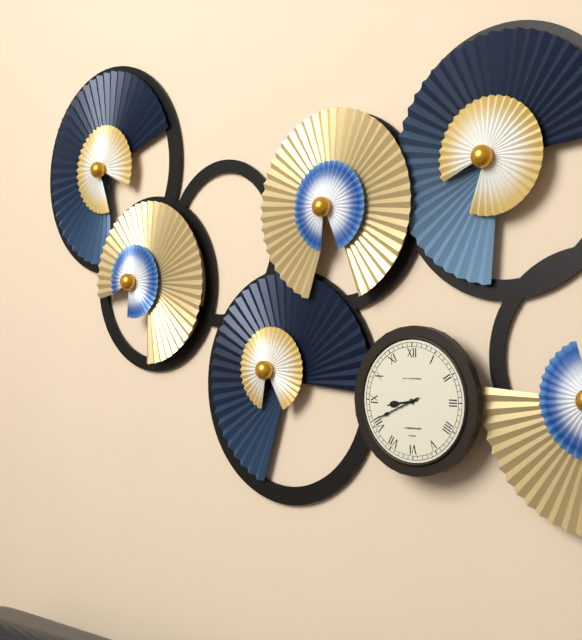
8:41
